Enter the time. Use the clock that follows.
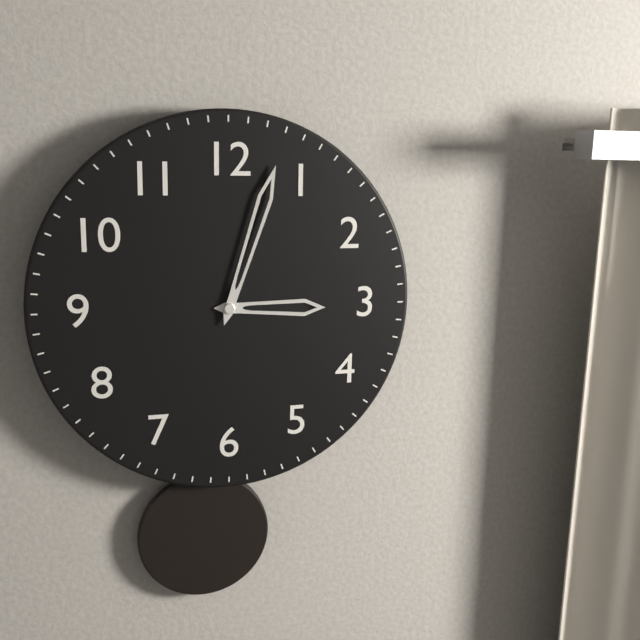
3:03
